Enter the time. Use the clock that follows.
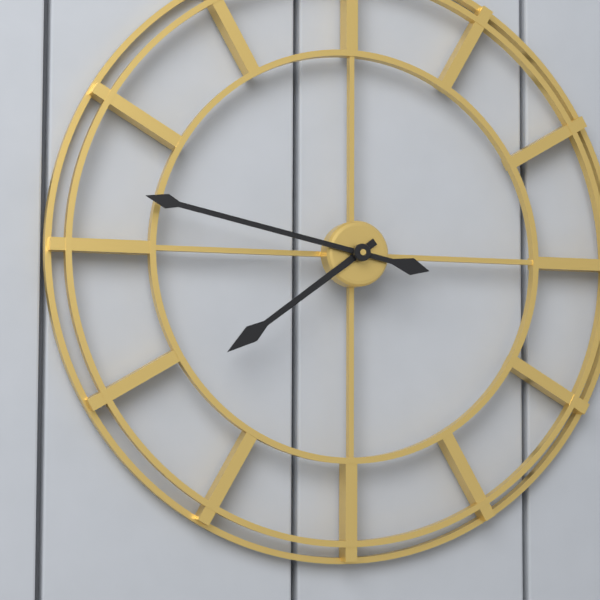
7:47
